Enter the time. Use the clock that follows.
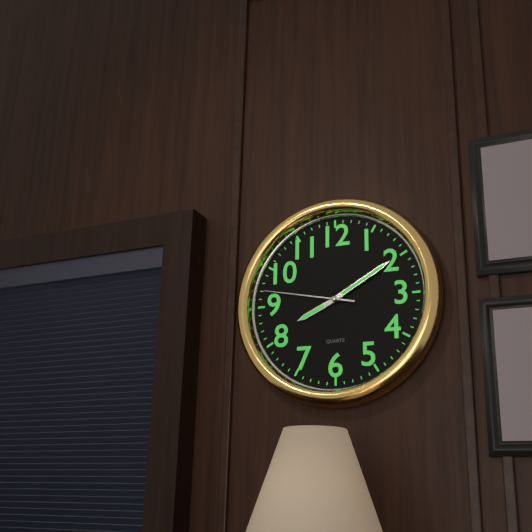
8:10:47
